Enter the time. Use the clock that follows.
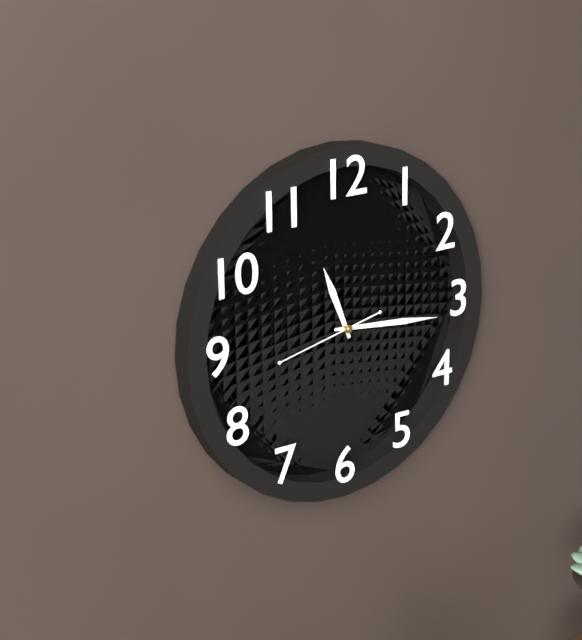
11:16:43
